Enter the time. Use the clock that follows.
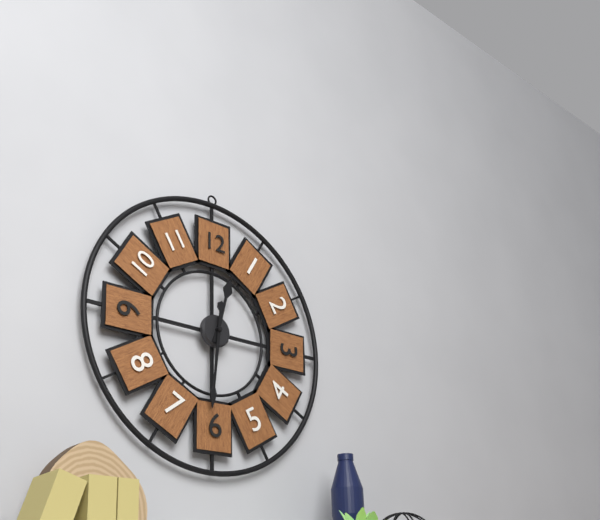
12:31
